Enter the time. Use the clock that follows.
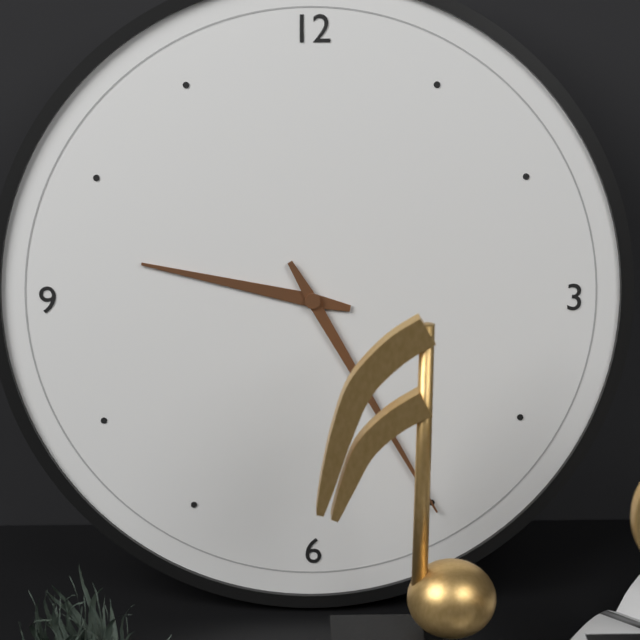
9:25
